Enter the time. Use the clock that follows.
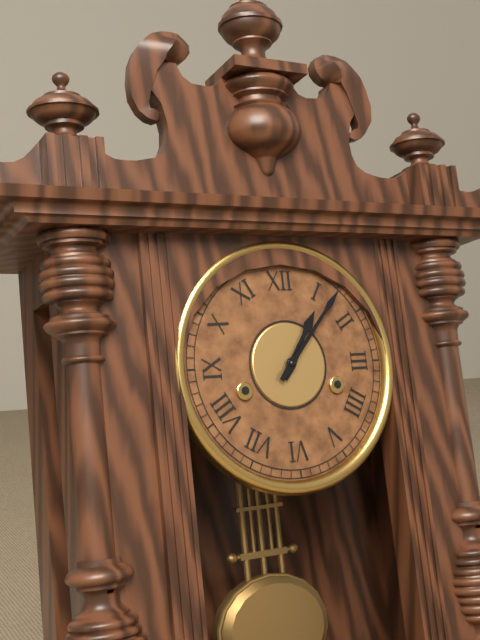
1:07
